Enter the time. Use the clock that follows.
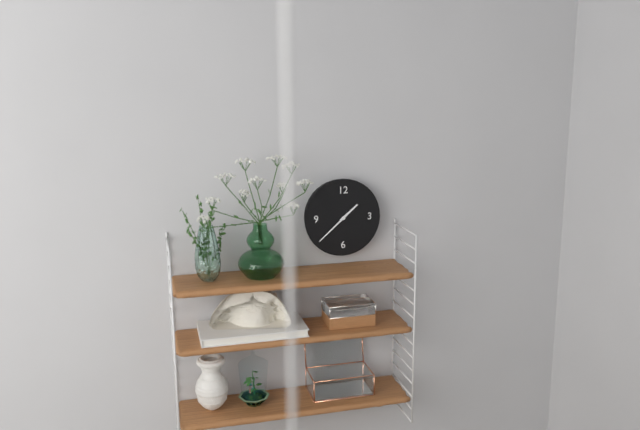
1:38
